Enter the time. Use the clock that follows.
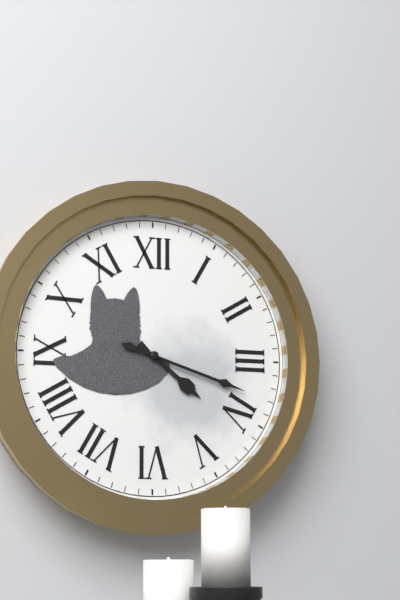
4:18
